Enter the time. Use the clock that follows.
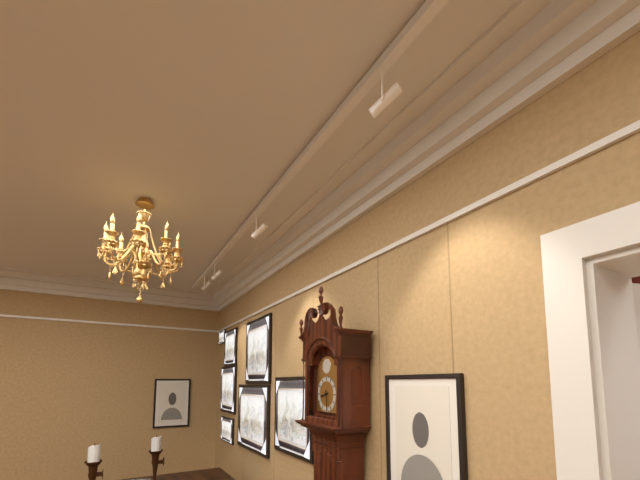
8:29
